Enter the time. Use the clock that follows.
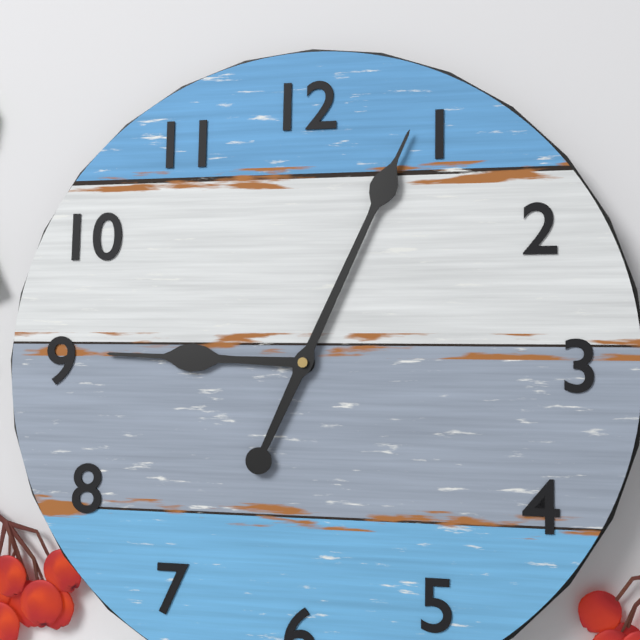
9:04
